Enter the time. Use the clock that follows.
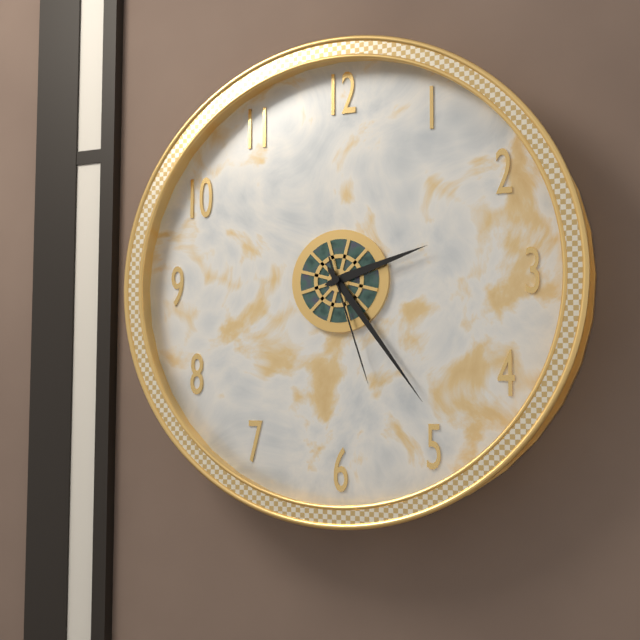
2:24:27
